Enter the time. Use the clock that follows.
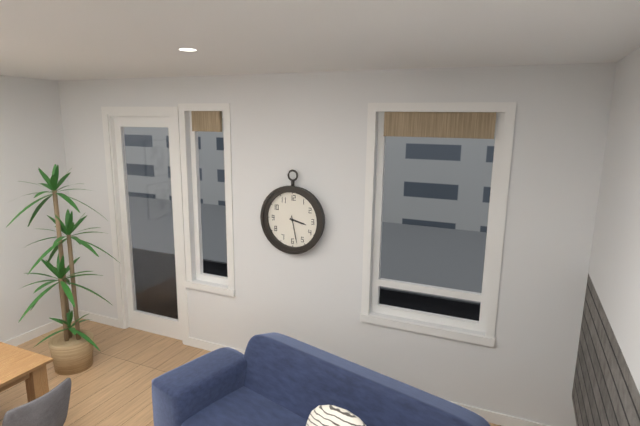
3:28
